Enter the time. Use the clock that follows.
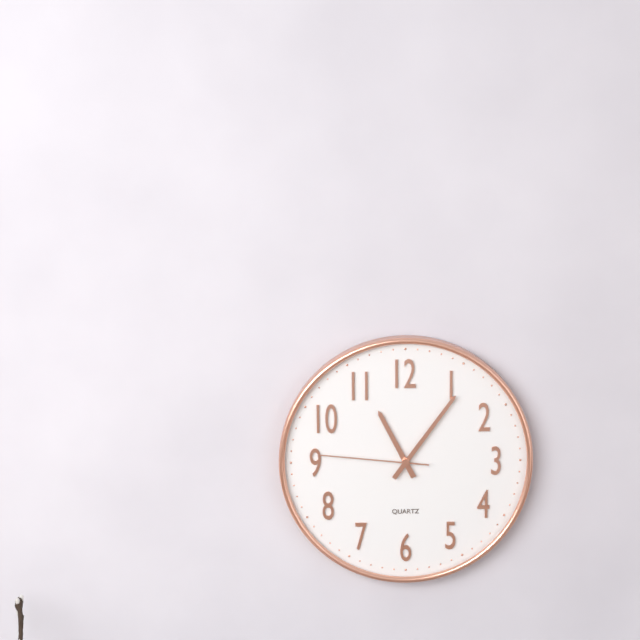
11:06:46
